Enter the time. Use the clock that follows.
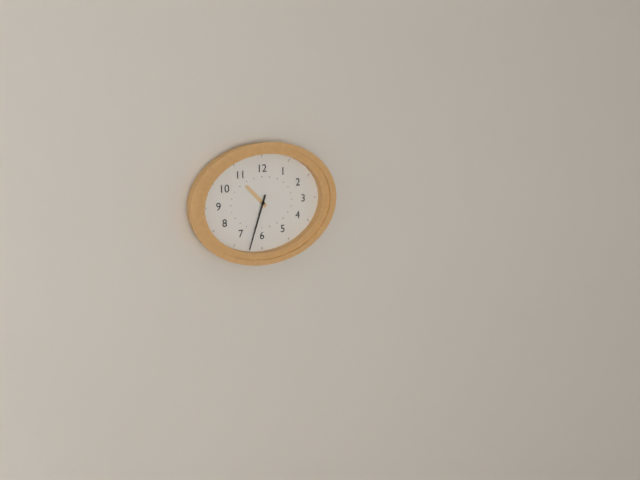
10:33
